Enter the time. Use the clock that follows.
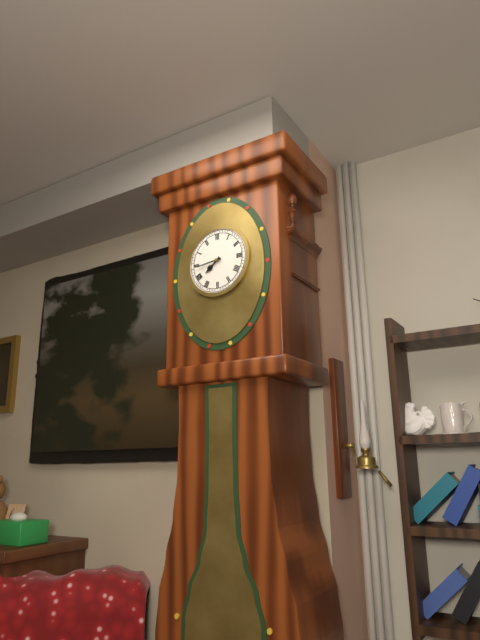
7:44
